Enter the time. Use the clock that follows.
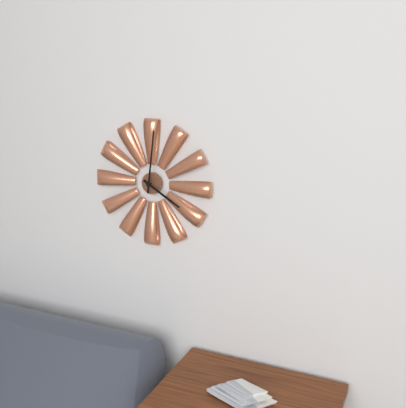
4:01
